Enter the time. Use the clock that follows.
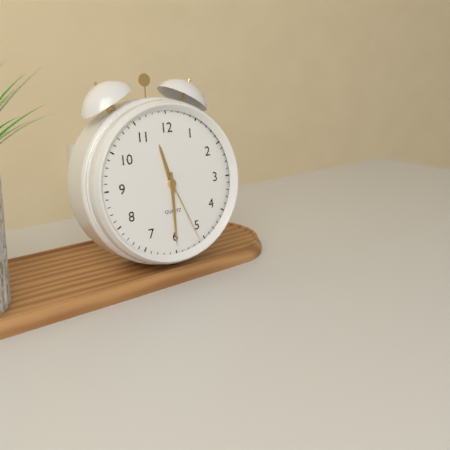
11:30:26
